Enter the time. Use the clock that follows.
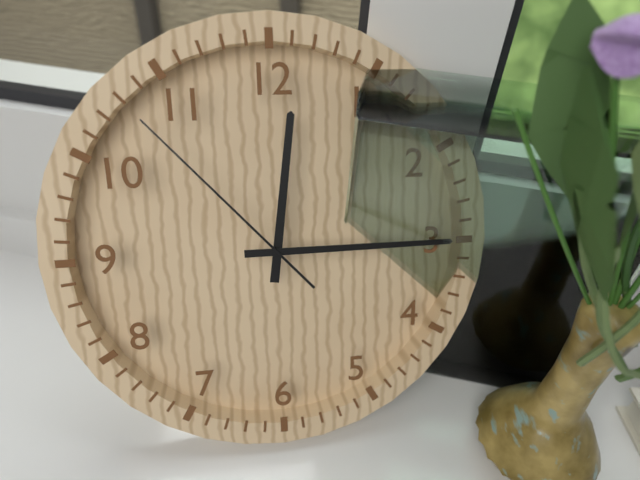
12:15:53
